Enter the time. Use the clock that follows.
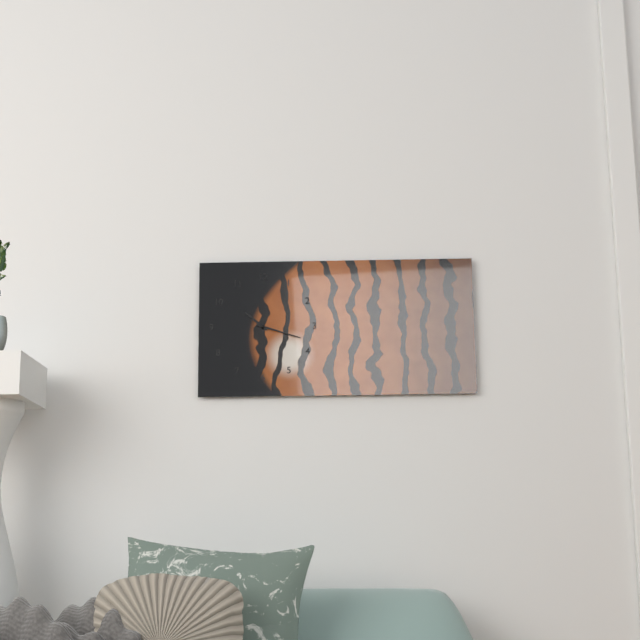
10:18
